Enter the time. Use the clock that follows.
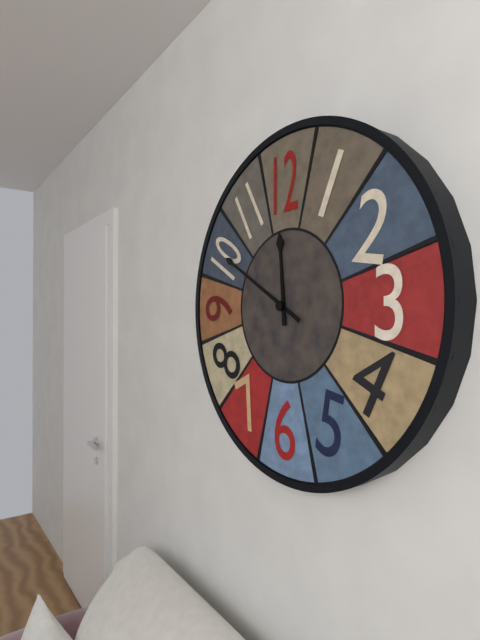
11:50
